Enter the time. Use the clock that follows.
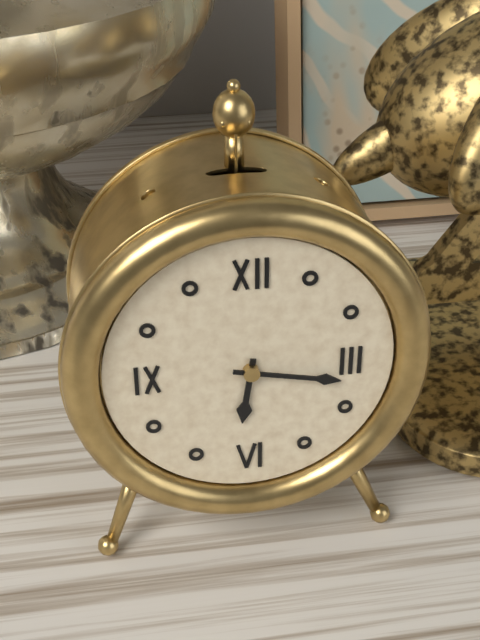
6:17
